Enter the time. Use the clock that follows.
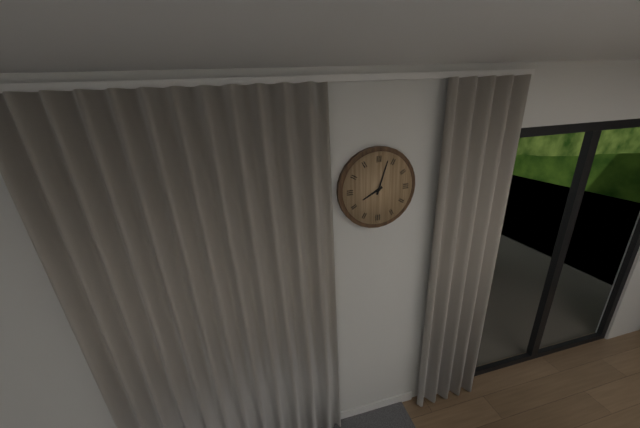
8:03
